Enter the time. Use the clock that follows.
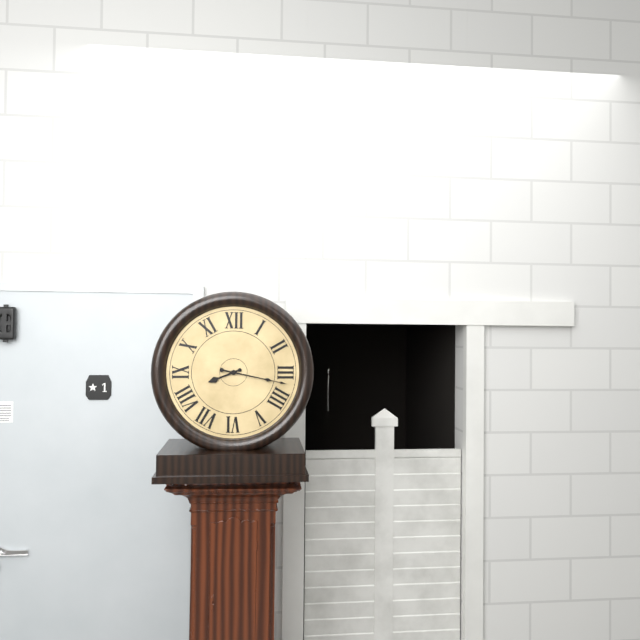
8:17
